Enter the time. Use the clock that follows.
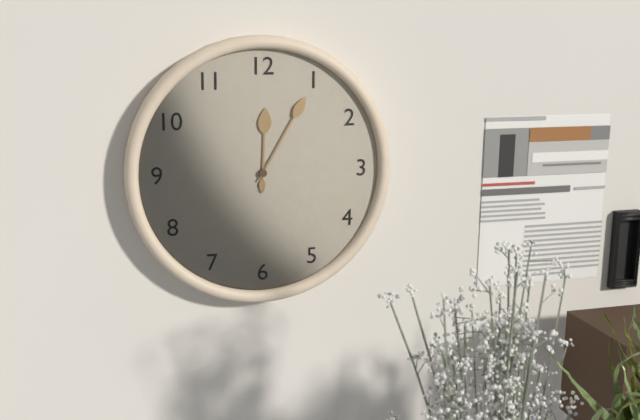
12:05
